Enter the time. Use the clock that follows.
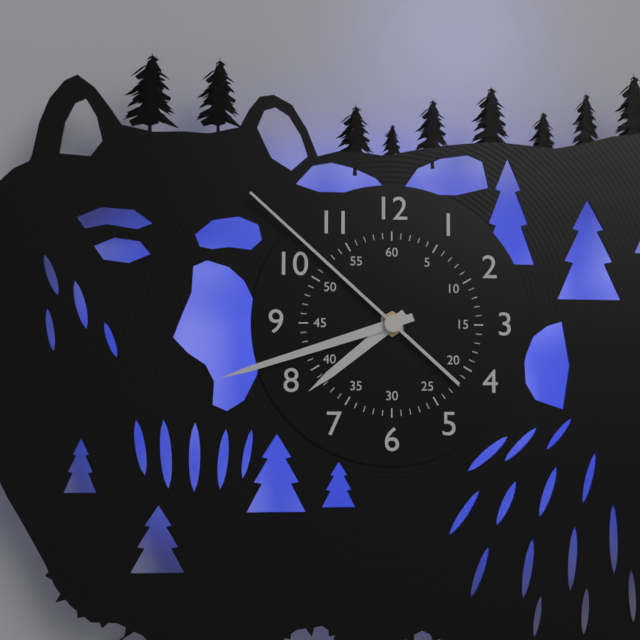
7:42:52
